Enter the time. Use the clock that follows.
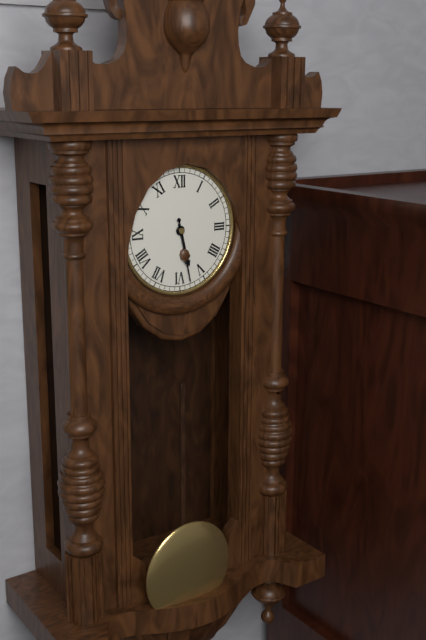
5:28
